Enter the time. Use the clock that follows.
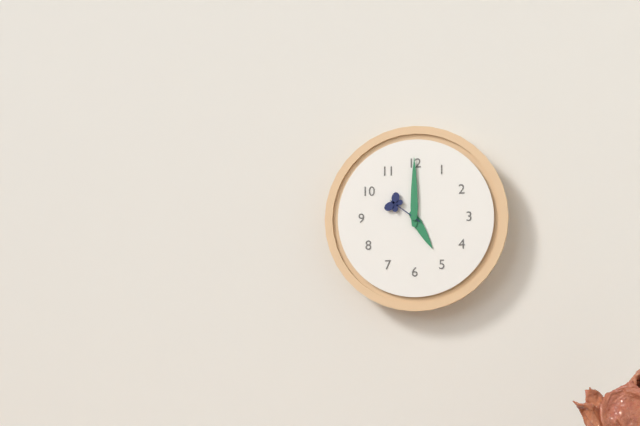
5:00
